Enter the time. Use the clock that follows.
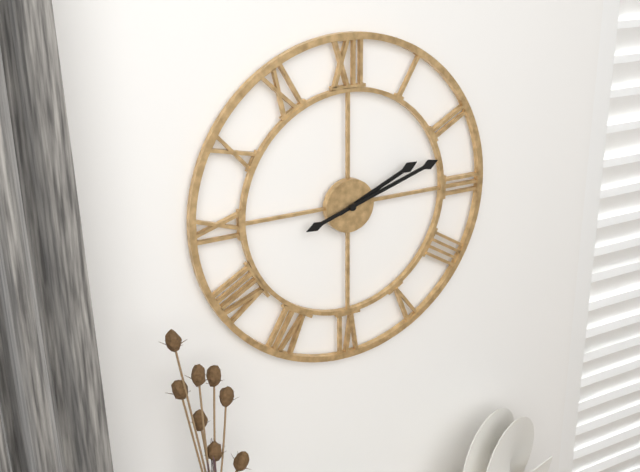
2:12
